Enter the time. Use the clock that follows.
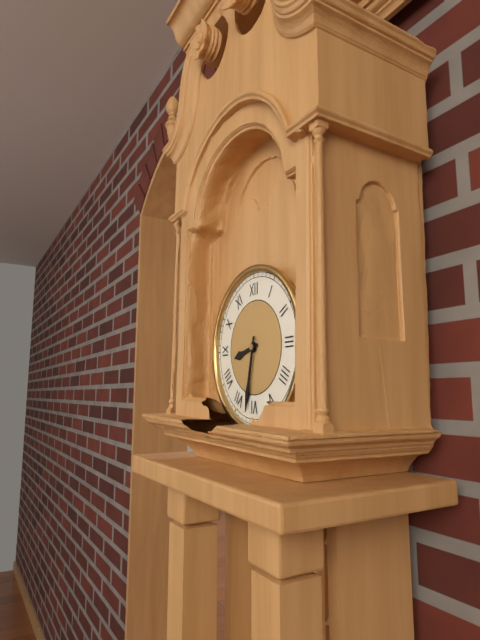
8:32
